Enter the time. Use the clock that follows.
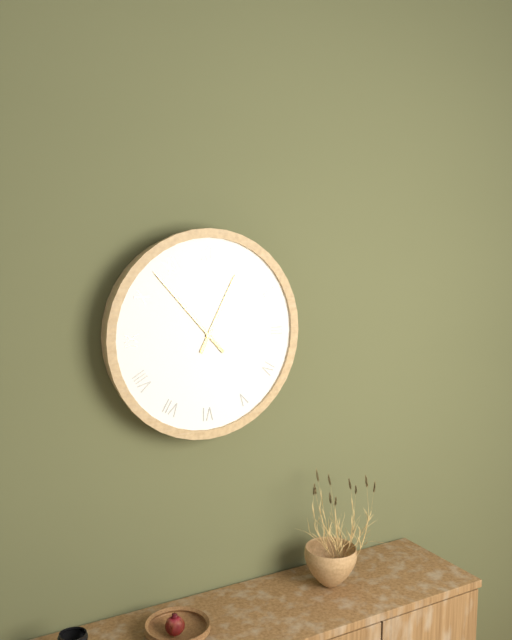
12:53
